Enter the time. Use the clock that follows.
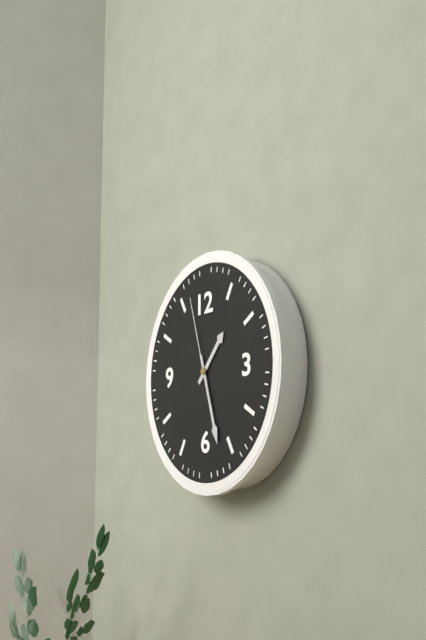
1:27:57
